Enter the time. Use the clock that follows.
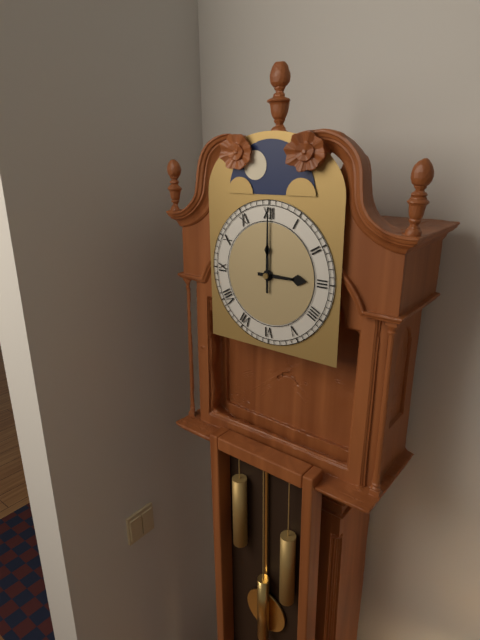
3:00
